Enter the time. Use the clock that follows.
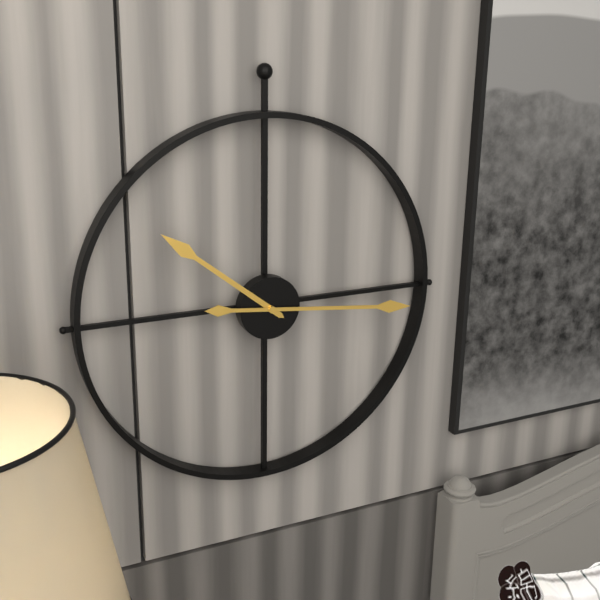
10:16
